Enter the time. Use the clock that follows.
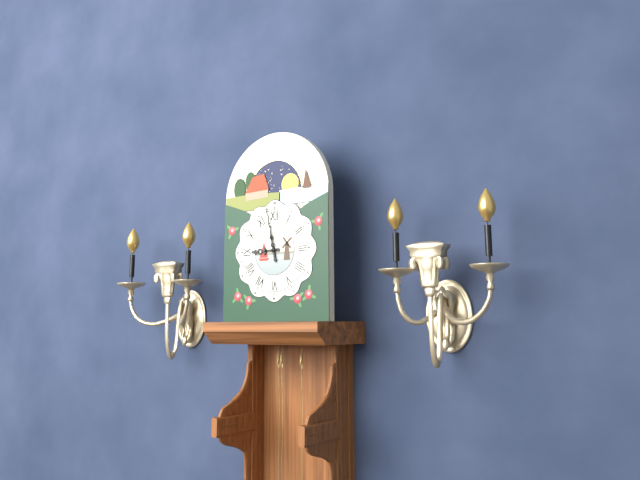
8:58
